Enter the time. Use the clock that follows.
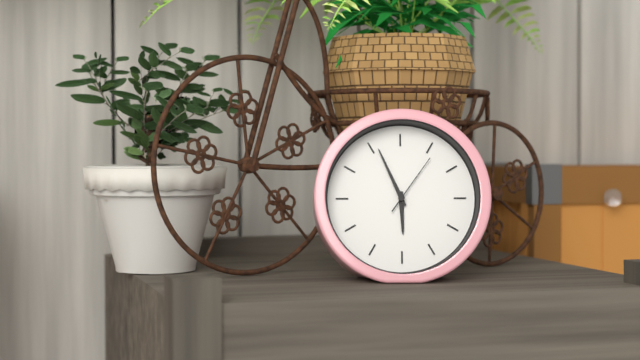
5:56:06
